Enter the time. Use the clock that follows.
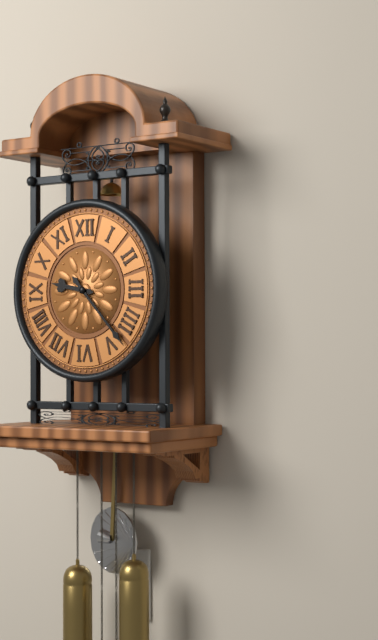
9:23
